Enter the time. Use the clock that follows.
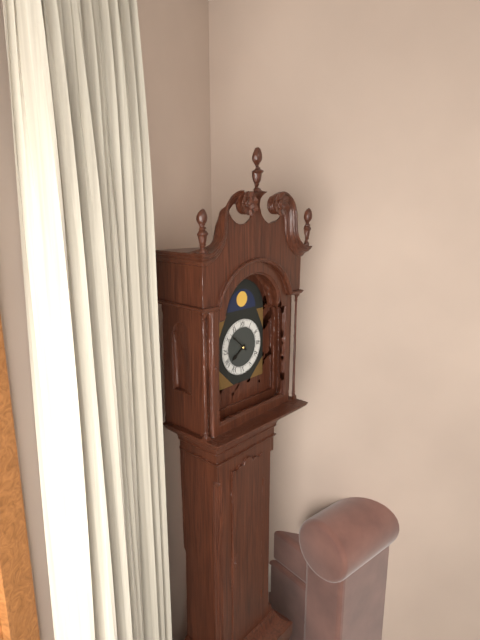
7:52
